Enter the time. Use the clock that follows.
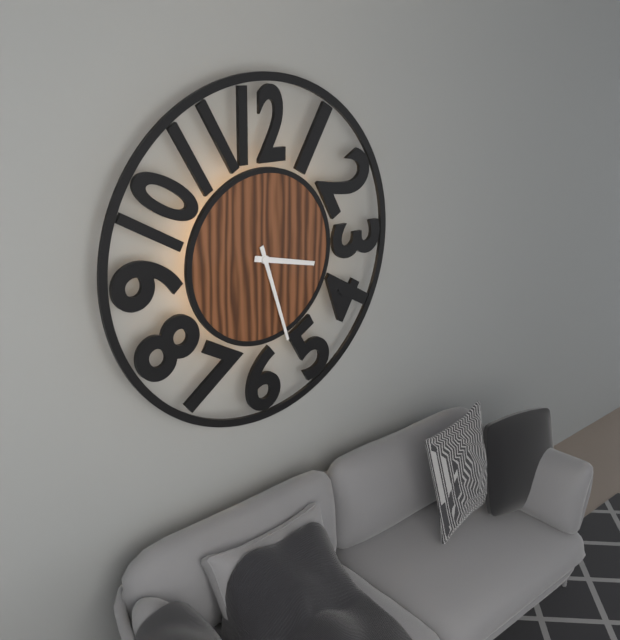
3:27
